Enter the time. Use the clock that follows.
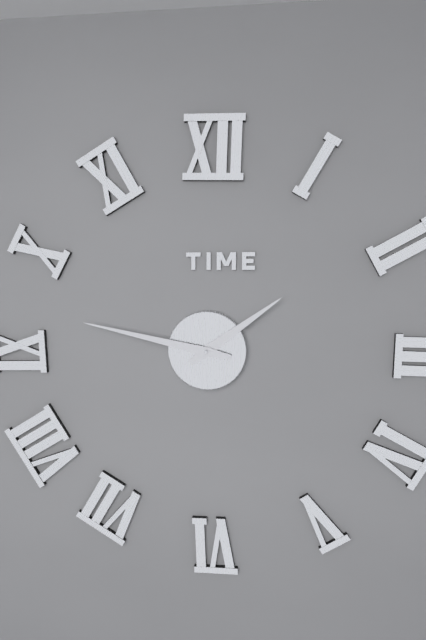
1:47
